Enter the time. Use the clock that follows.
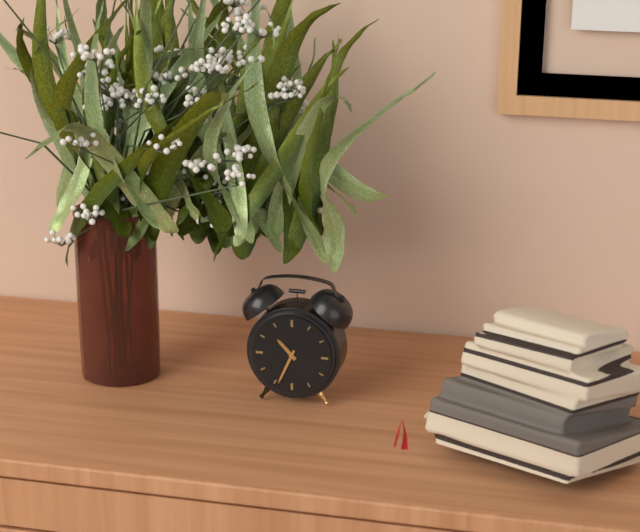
10:34
